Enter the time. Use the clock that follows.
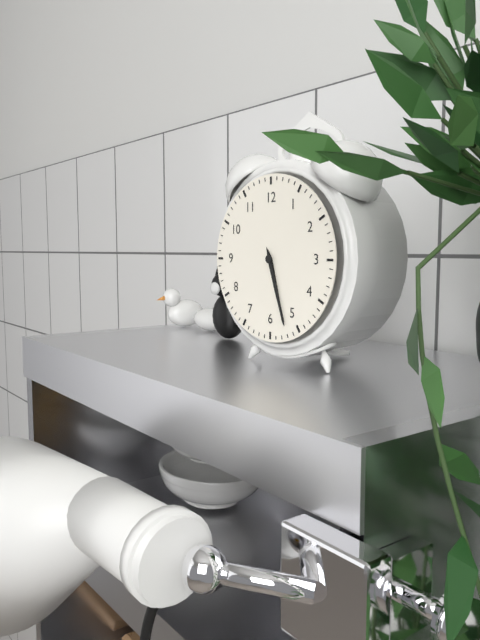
5:27
